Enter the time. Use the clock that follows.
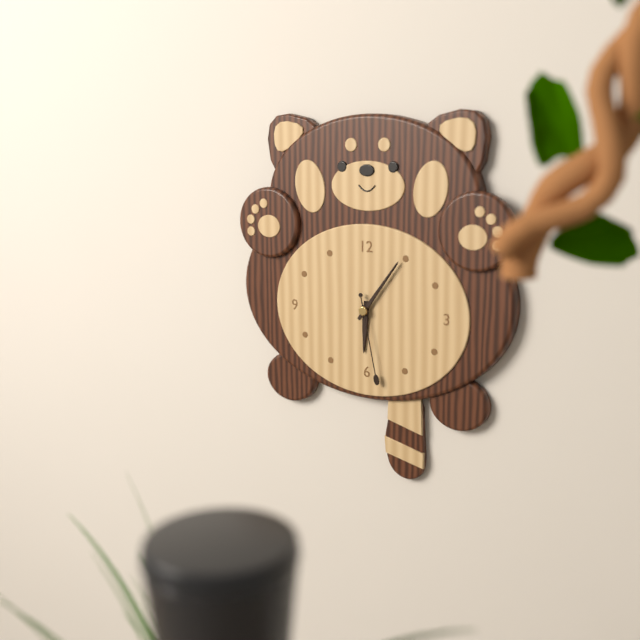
6:06:28
